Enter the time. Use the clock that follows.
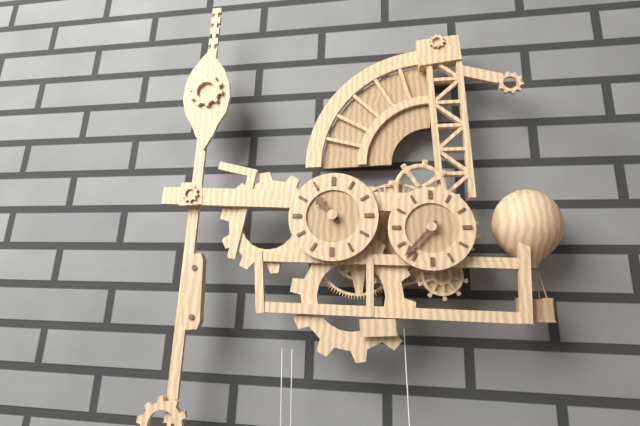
10:37
